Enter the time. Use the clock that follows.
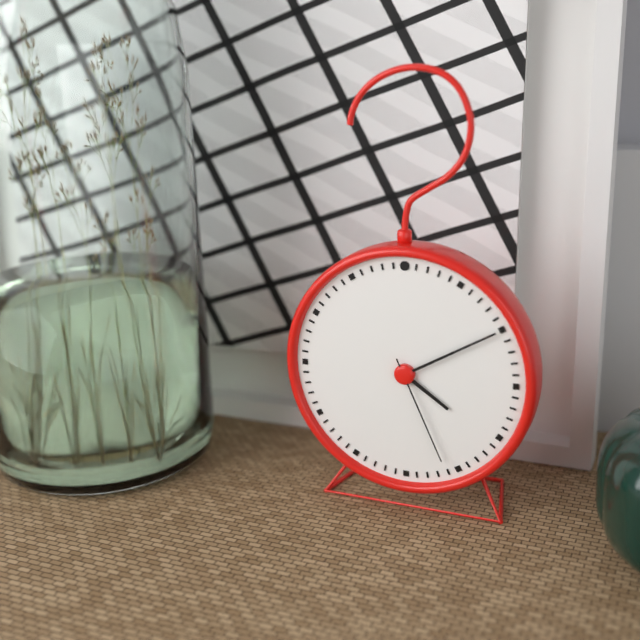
4:10:26
